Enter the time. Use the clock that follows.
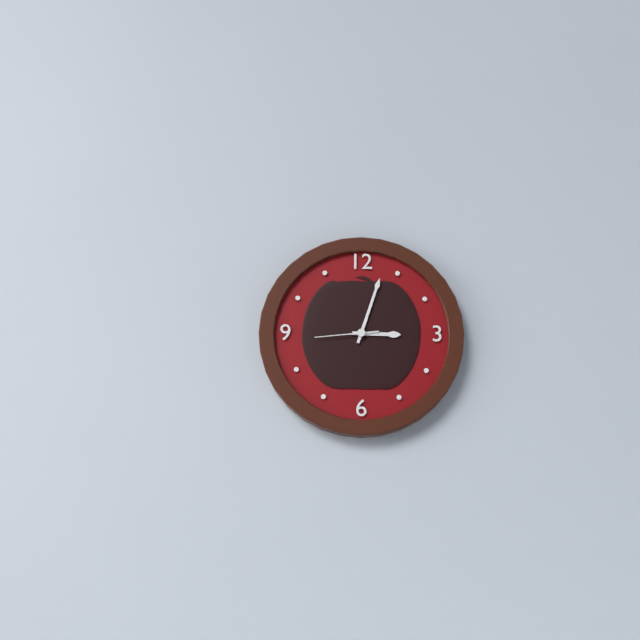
3:03:44
